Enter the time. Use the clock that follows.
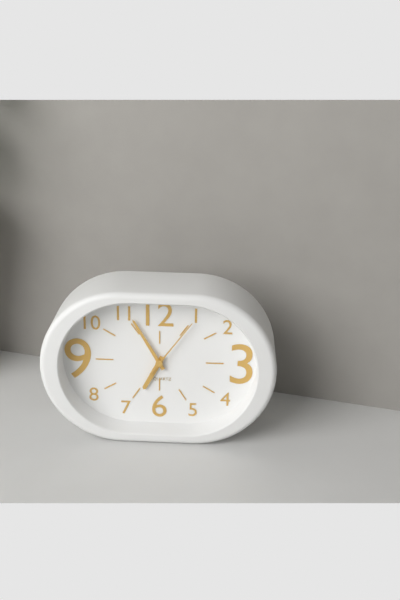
6:55:06
